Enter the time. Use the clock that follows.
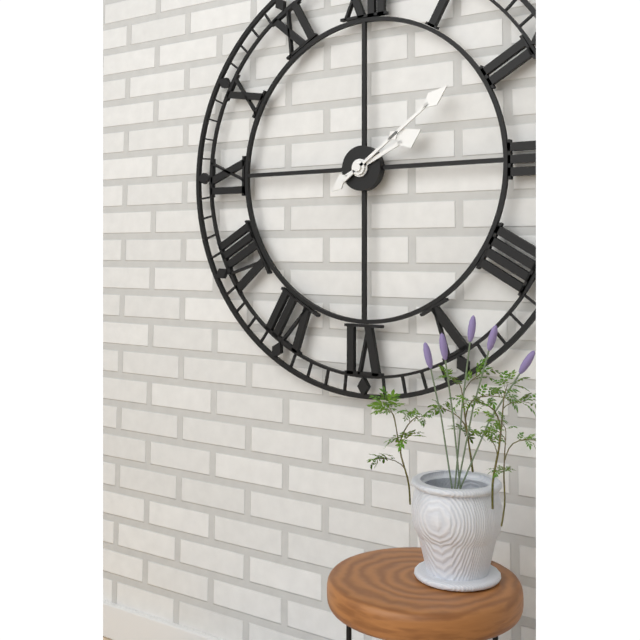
2:09
